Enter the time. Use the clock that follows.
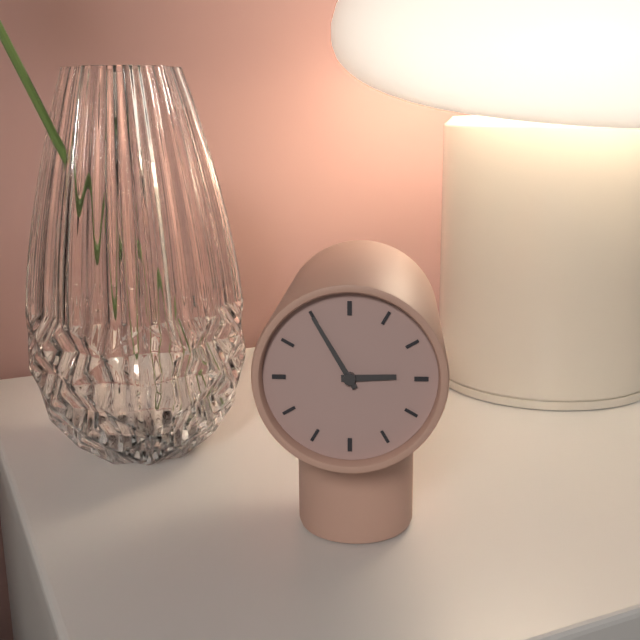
2:55
